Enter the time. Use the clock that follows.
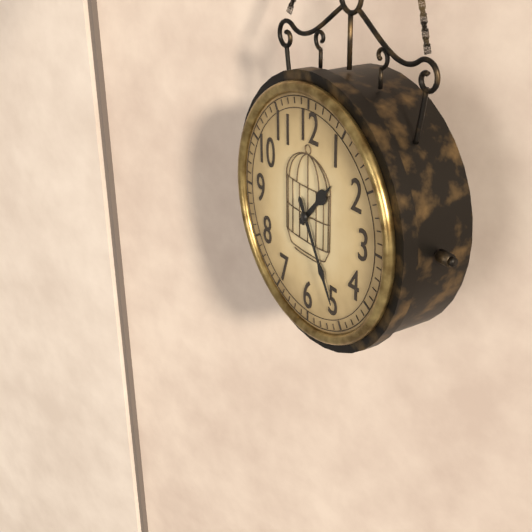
1:25
